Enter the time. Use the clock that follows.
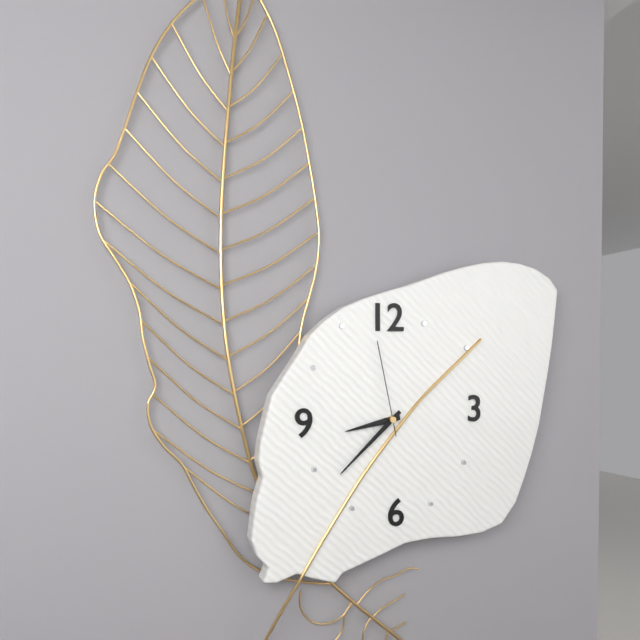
8:38:58
